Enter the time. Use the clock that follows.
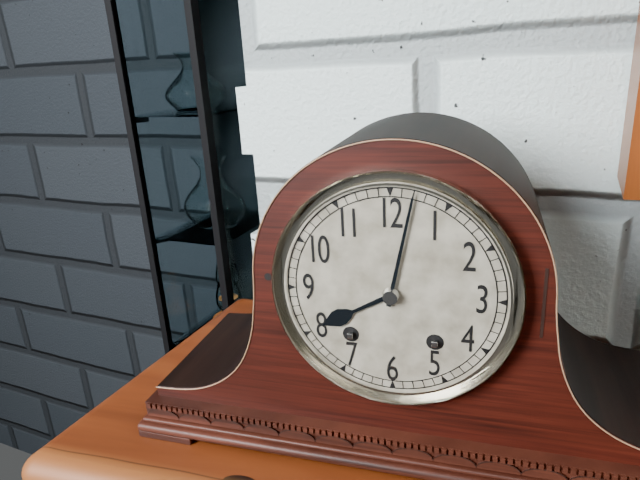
8:02
